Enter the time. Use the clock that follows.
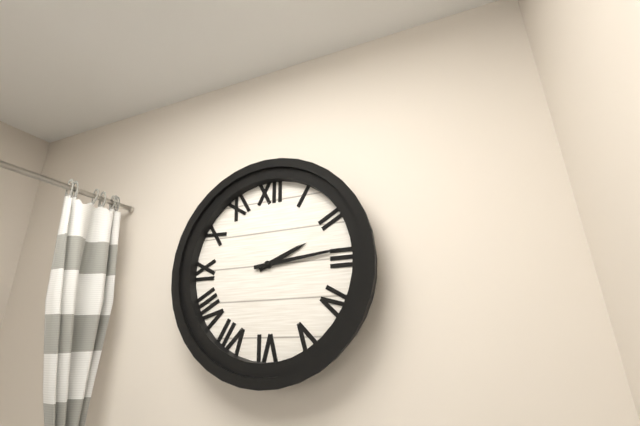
2:14
